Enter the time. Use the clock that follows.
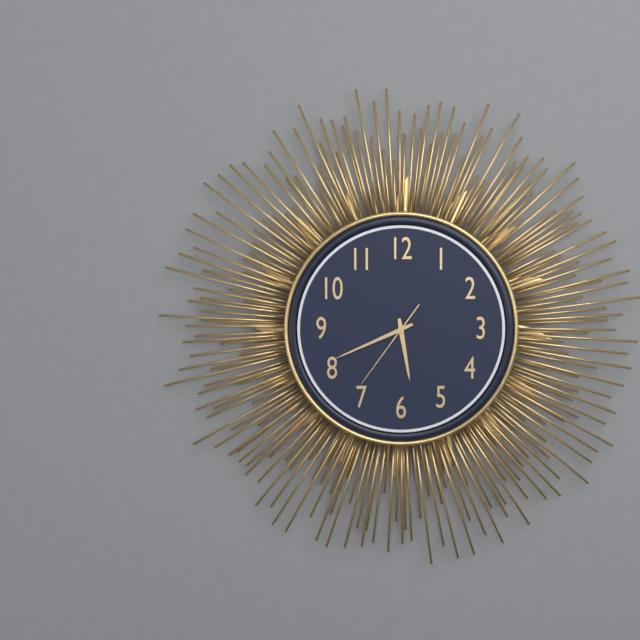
5:41:36
